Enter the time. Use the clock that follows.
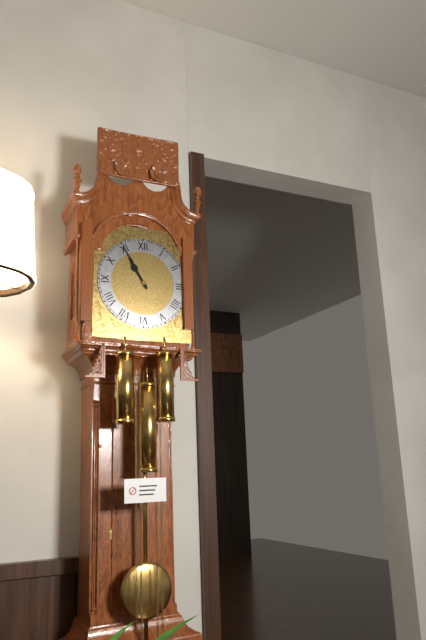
10:55
